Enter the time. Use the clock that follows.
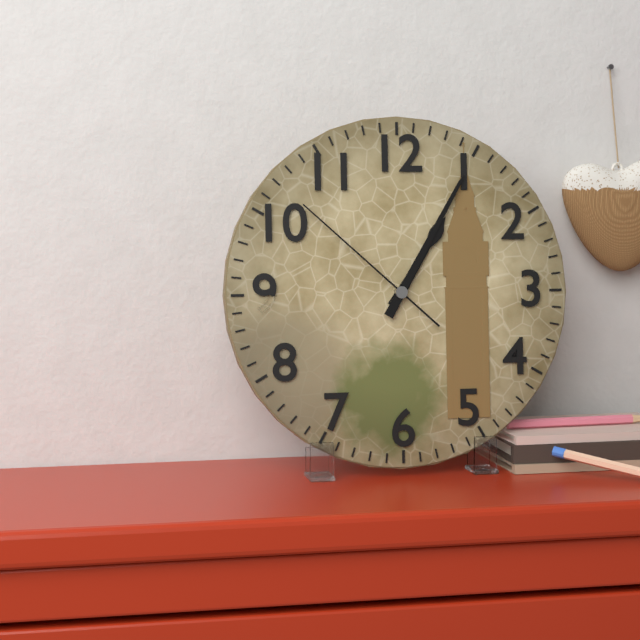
1:05:52
